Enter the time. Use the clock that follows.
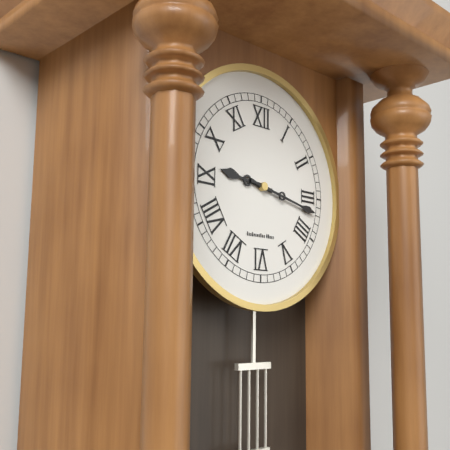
9:17
